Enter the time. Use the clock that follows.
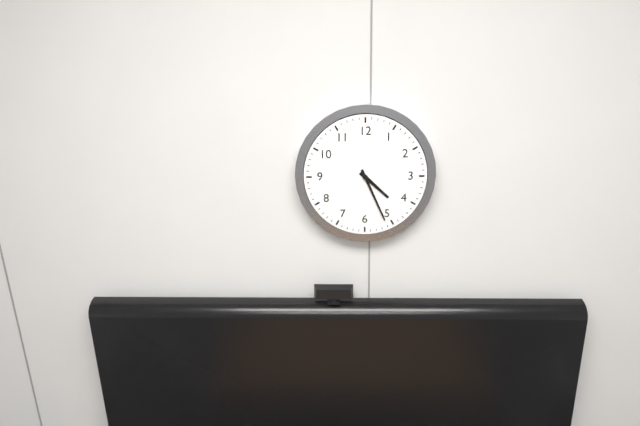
4:26
